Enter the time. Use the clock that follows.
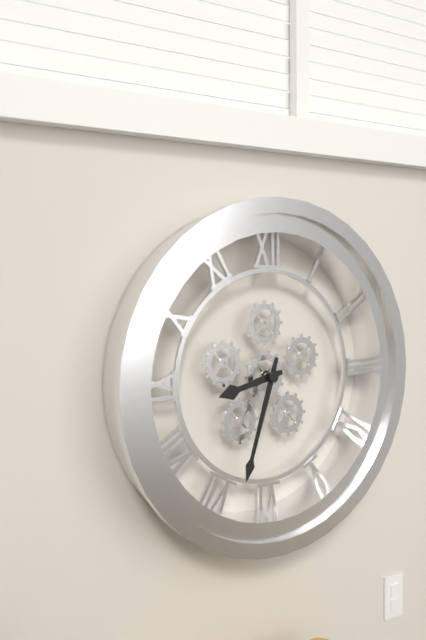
8:33
